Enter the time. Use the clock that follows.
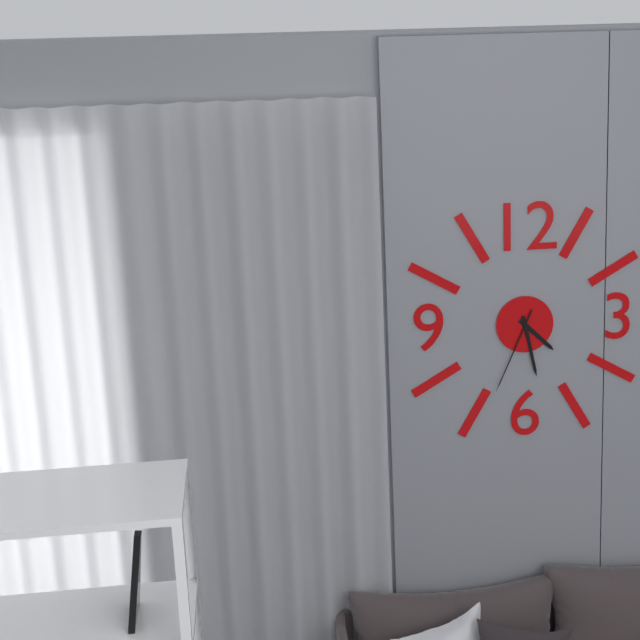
4:28:34
